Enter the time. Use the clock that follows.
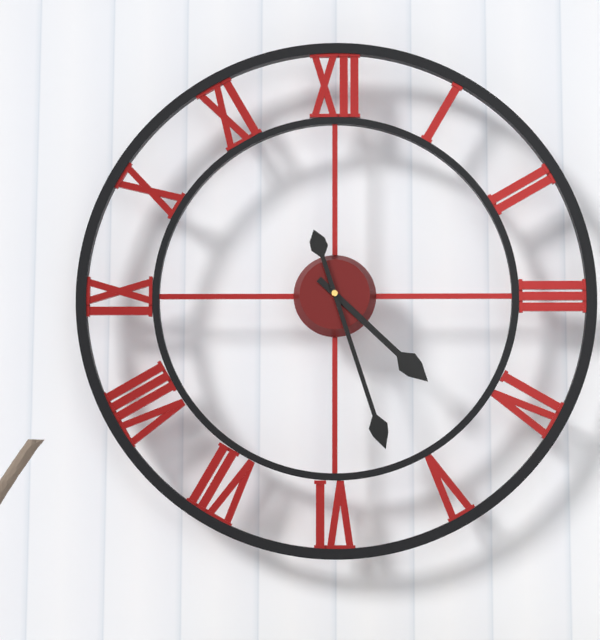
4:27
